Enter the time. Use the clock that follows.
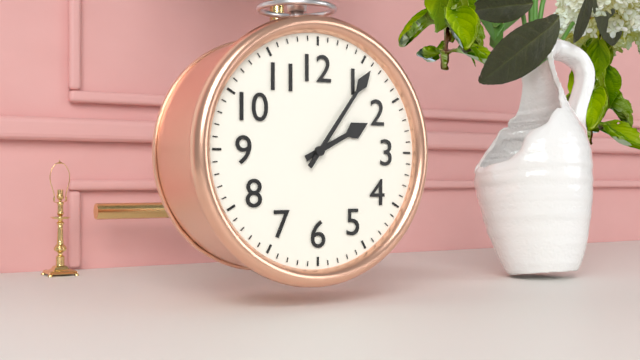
2:06
